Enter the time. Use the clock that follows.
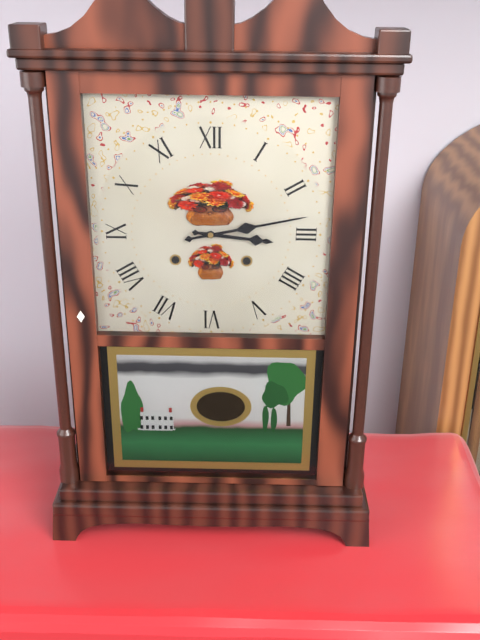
3:13
